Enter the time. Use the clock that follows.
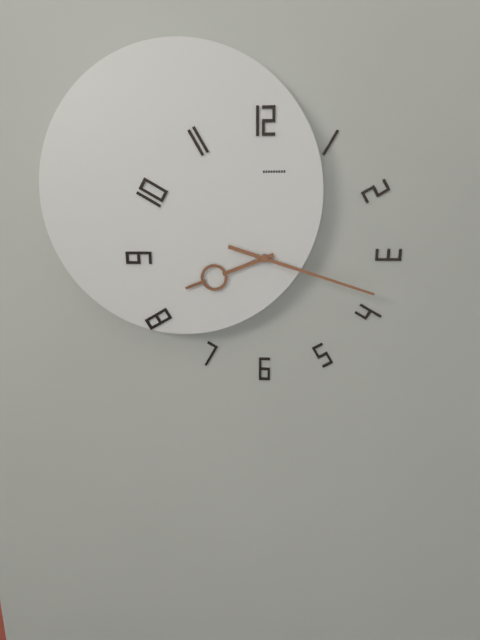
8:18
